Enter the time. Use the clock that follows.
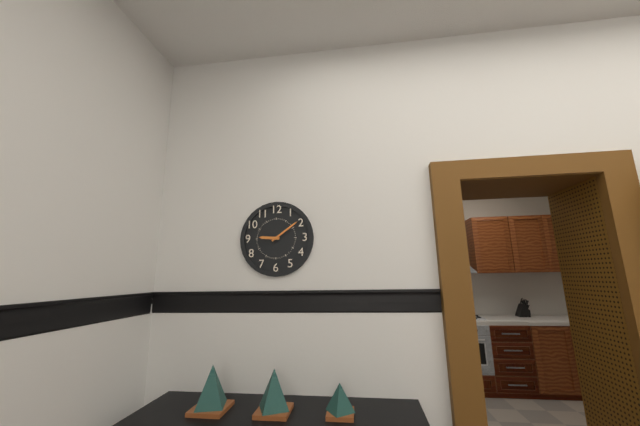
9:09
